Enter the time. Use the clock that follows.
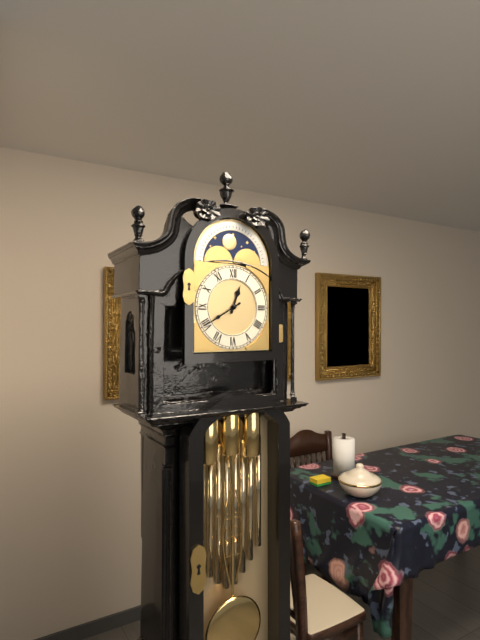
12:40
